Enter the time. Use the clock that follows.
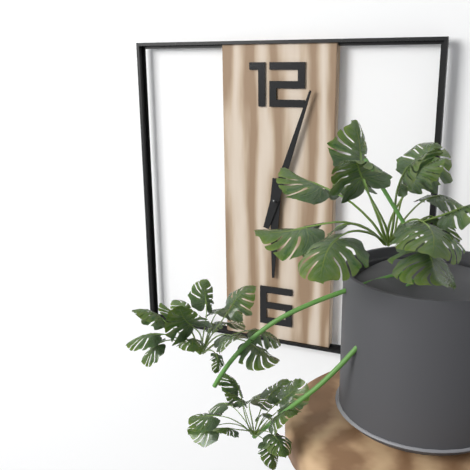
6:03
